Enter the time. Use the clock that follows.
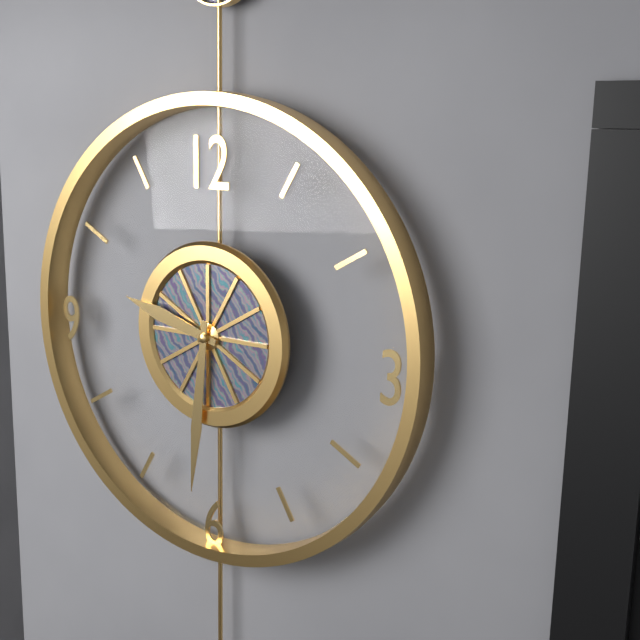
9:31
